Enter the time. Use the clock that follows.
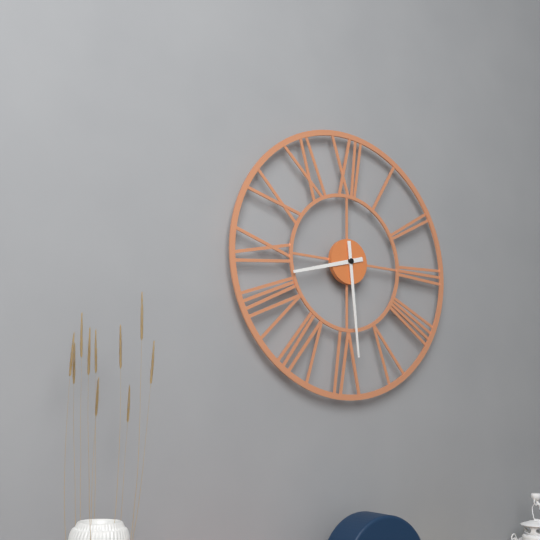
8:29
